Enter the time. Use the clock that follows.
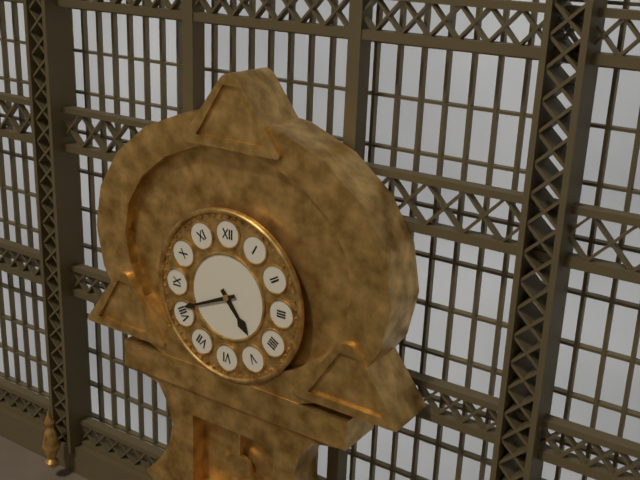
4:41
